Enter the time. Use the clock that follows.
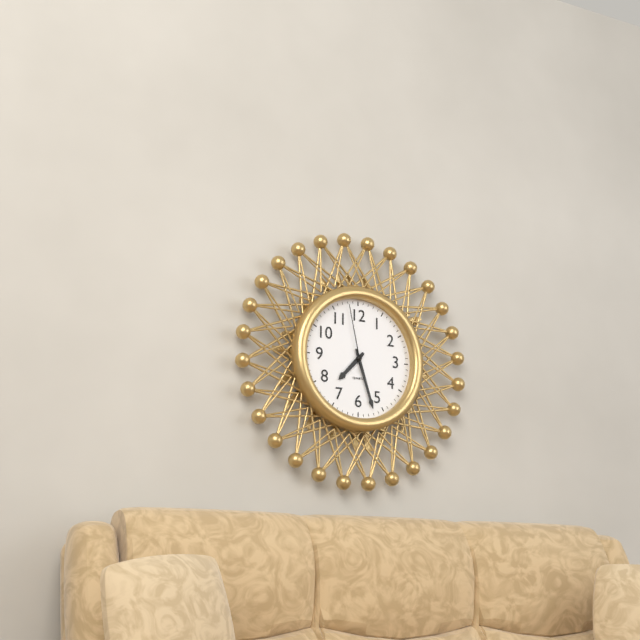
7:27:58
